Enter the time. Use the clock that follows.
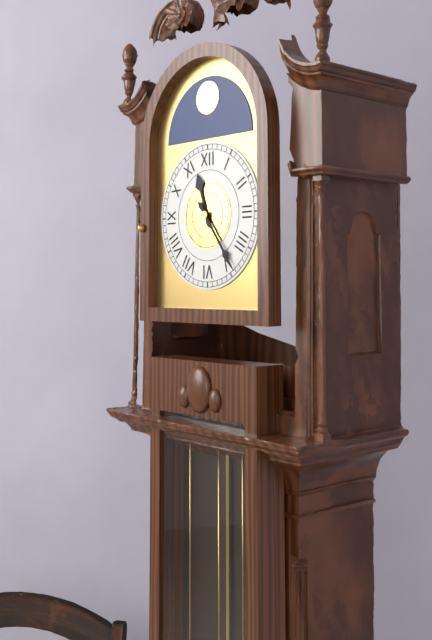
11:24
